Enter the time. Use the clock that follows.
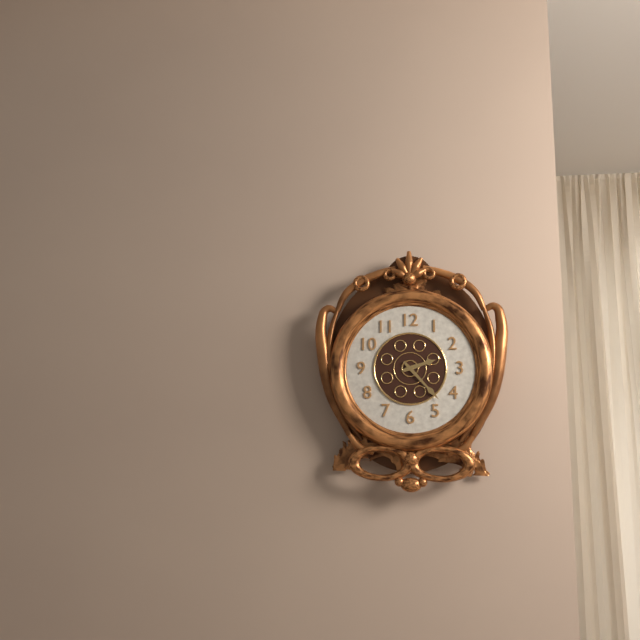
2:23
